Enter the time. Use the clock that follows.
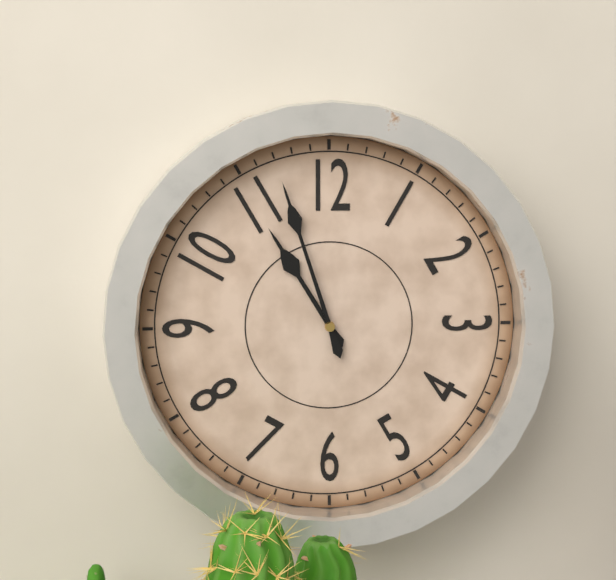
10:57
